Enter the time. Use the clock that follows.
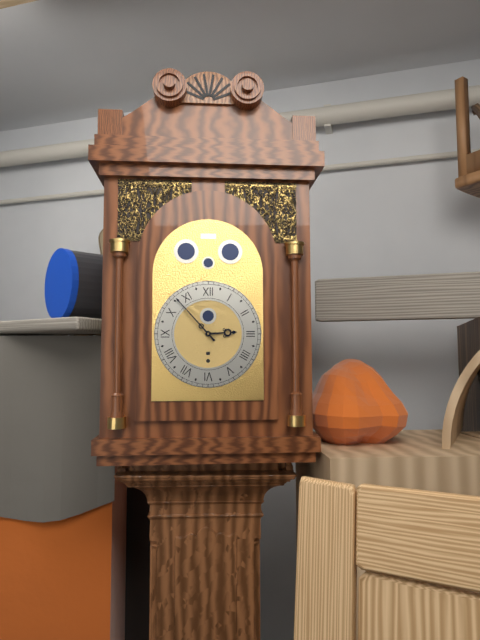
2:53
